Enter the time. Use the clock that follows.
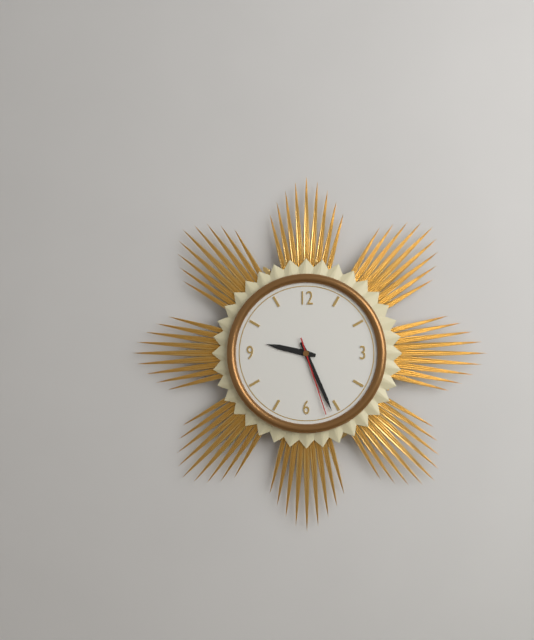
9:26:27
